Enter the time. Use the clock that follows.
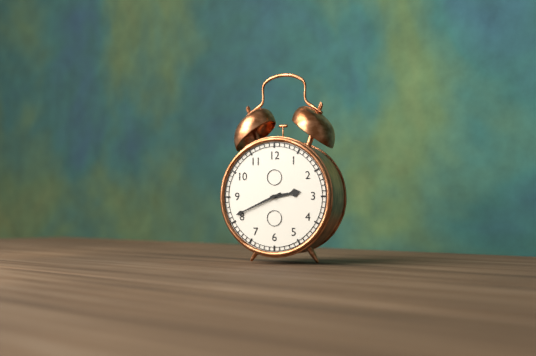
2:41
